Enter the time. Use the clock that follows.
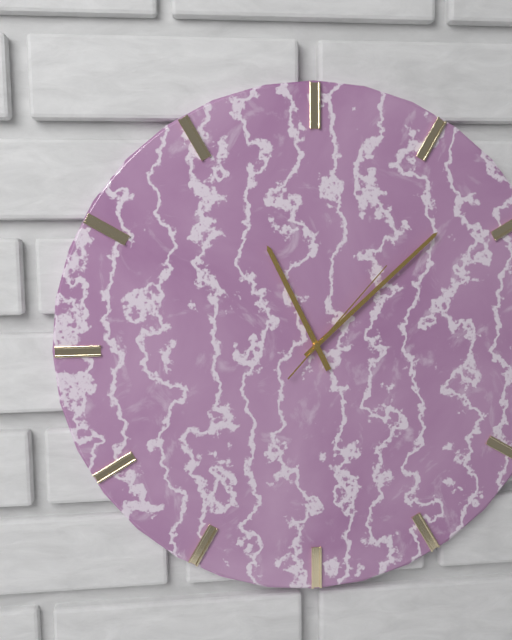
11:08:07
